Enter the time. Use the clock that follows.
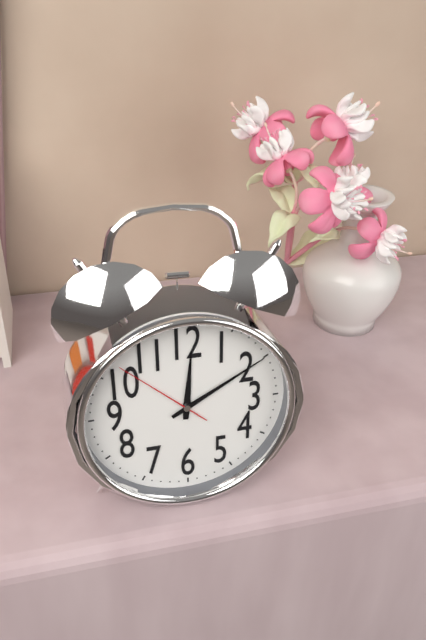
12:10:52
